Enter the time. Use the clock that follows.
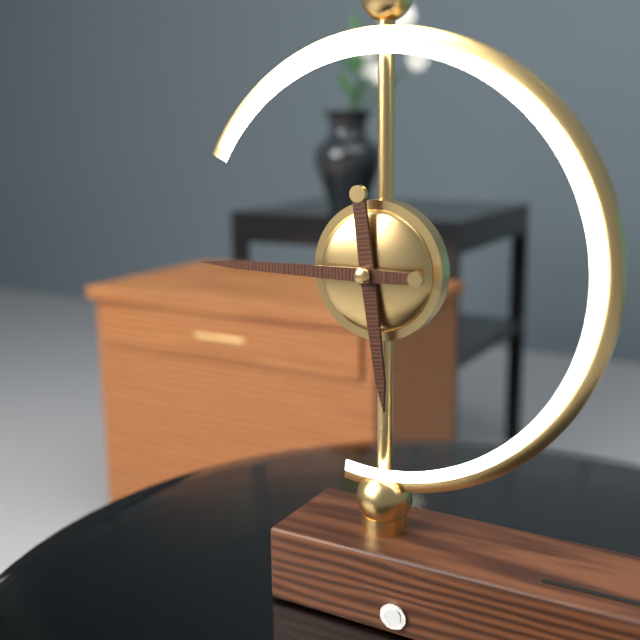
5:45
